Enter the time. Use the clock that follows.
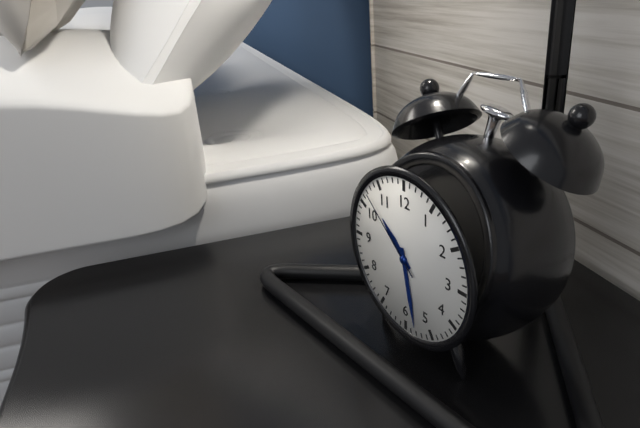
10:28:52
